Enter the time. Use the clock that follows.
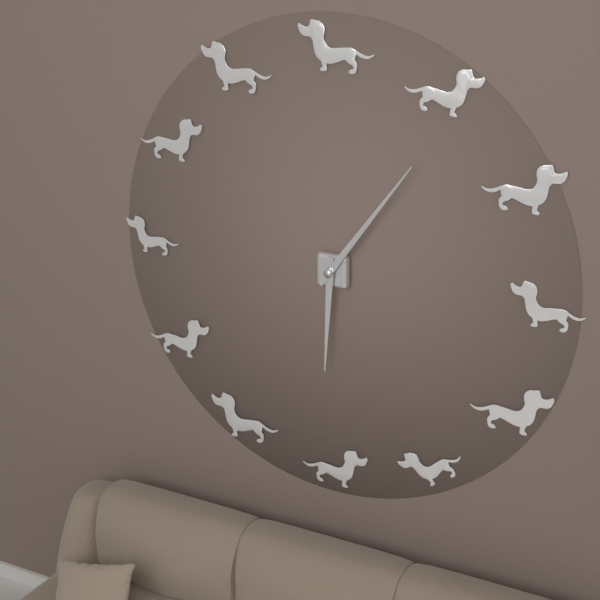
6:06
